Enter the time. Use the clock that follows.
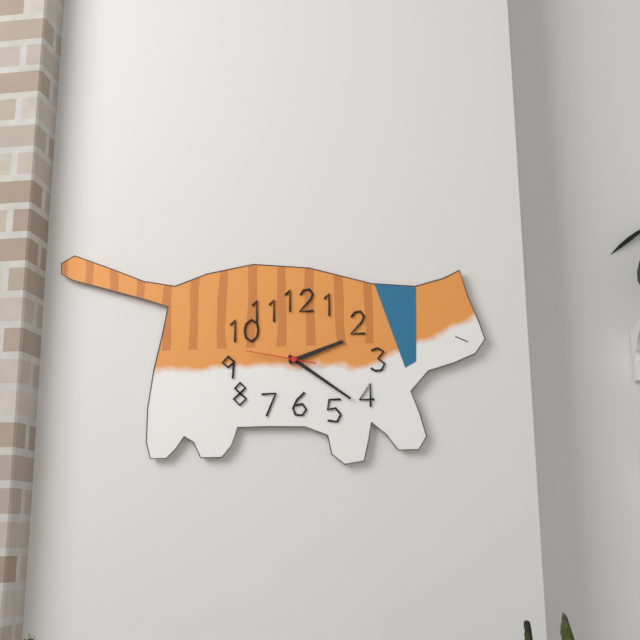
2:21:47
